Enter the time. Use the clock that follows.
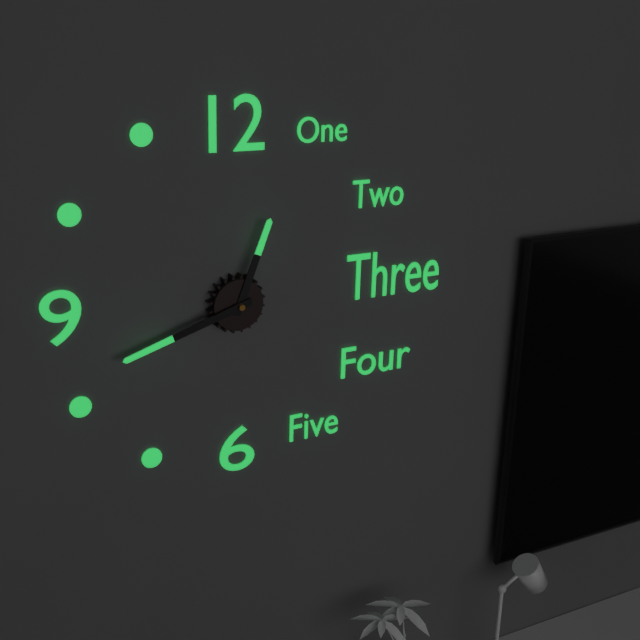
12:42
